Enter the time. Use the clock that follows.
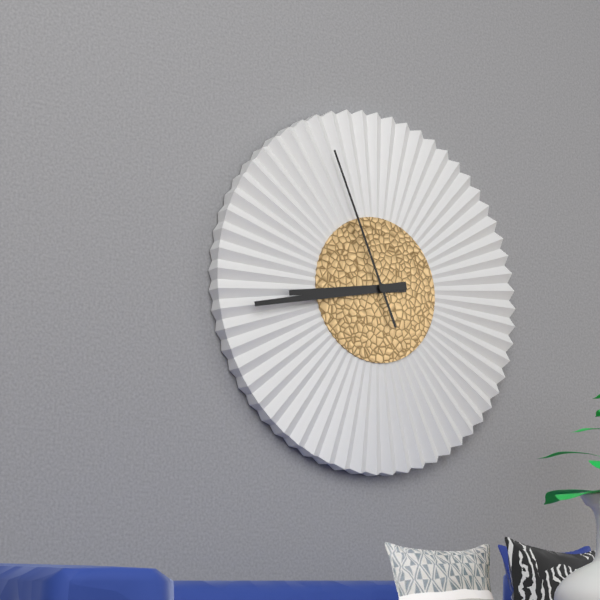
8:43:56
